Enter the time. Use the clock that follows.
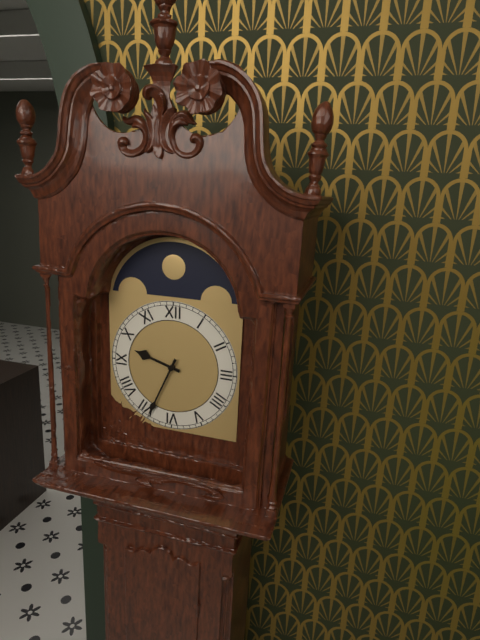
9:34
